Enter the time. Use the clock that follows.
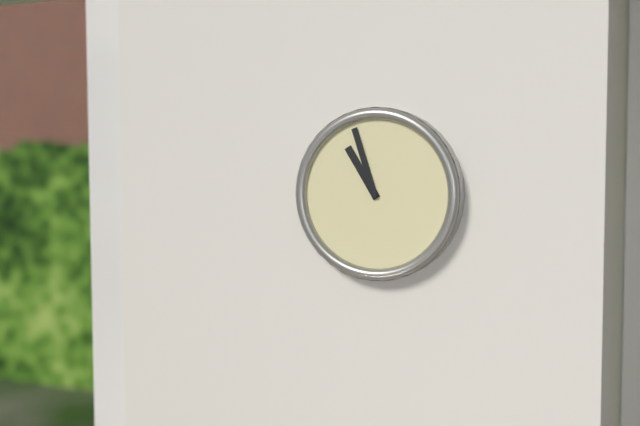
10:57
